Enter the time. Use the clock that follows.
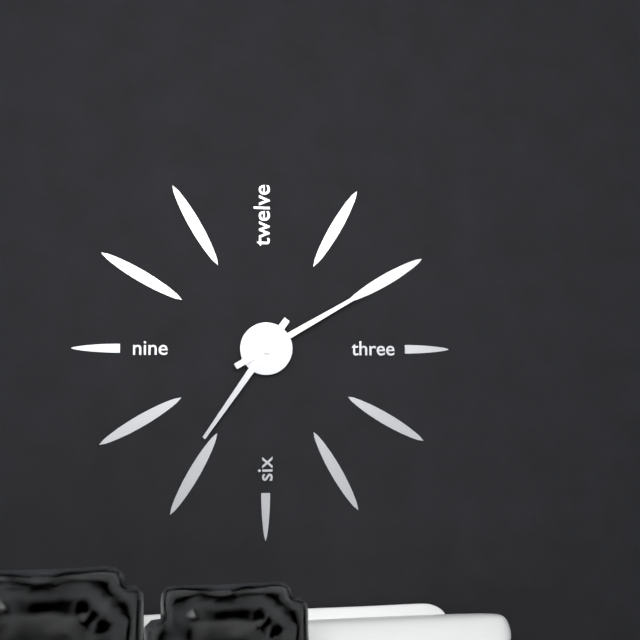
7:10
